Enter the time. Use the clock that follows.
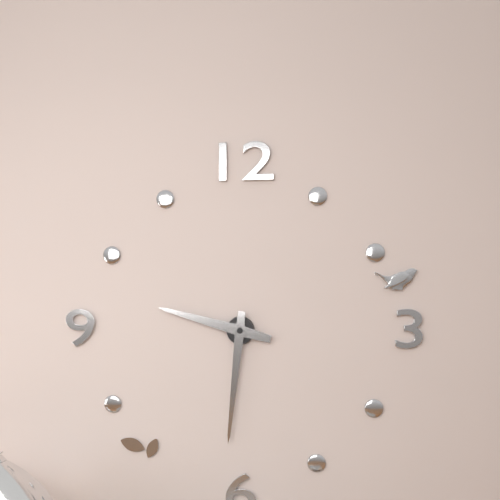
9:31
